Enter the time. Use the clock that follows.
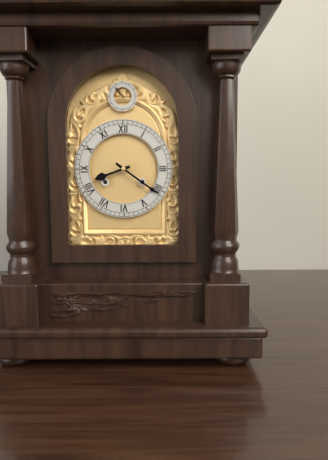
8:21
